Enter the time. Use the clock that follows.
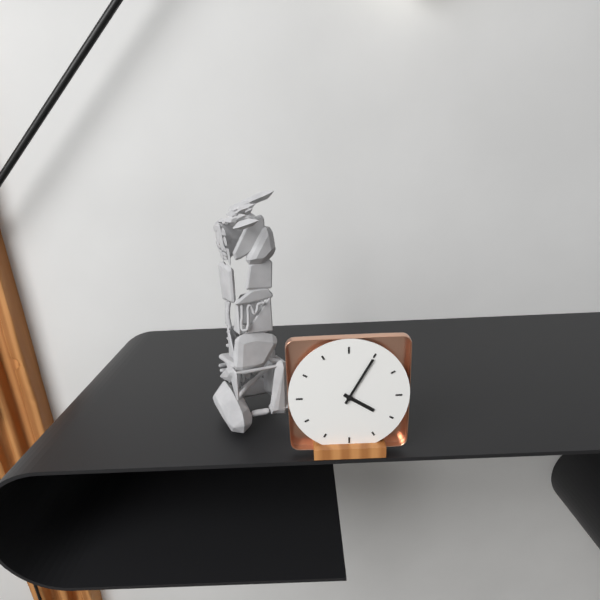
4:05
